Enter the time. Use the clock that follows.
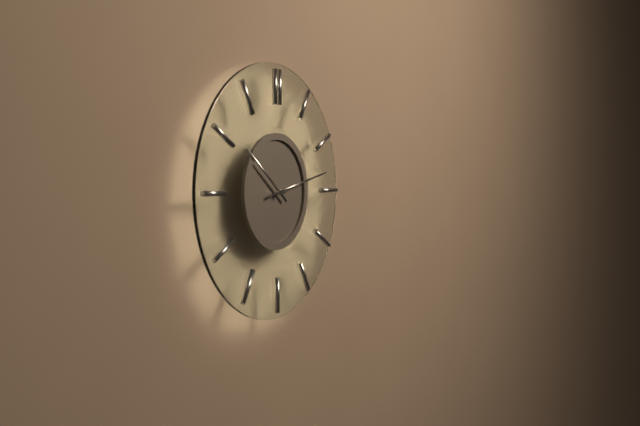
10:13
